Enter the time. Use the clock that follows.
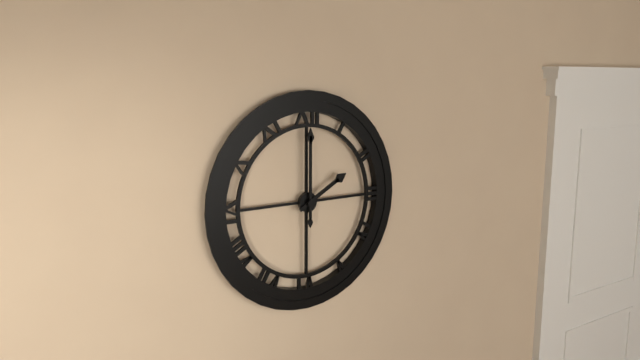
2:00
